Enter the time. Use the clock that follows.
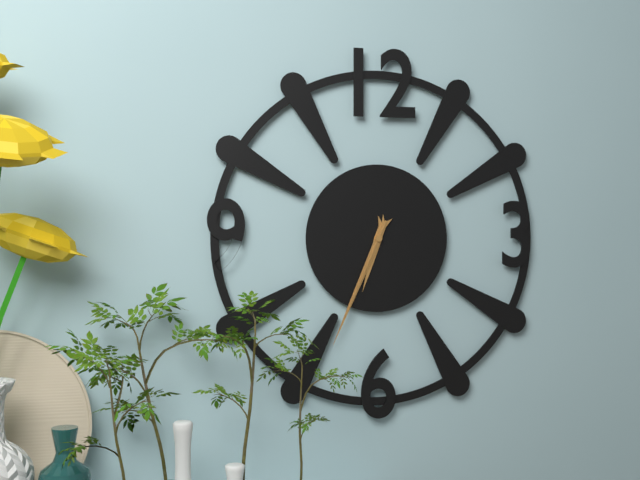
6:34:34
